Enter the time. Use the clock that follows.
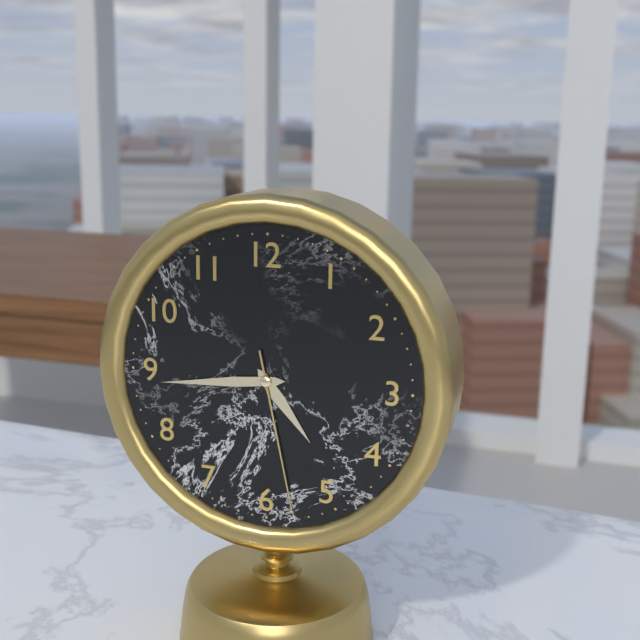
4:44:28
